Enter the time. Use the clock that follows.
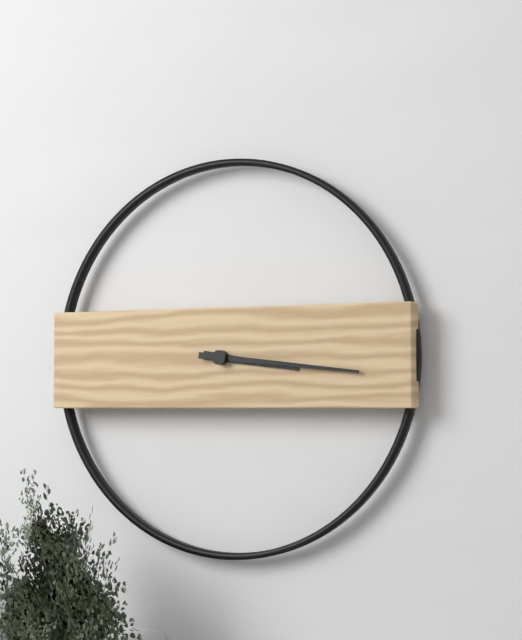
3:16
